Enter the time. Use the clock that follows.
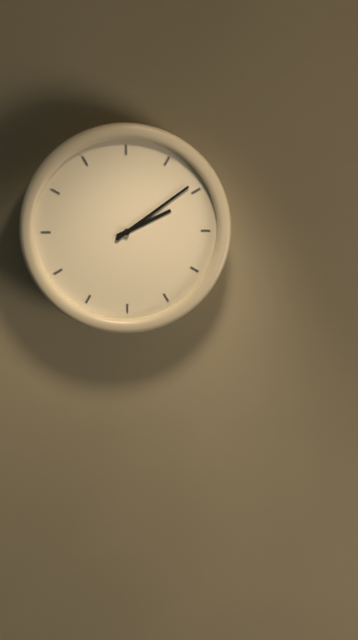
2:09
